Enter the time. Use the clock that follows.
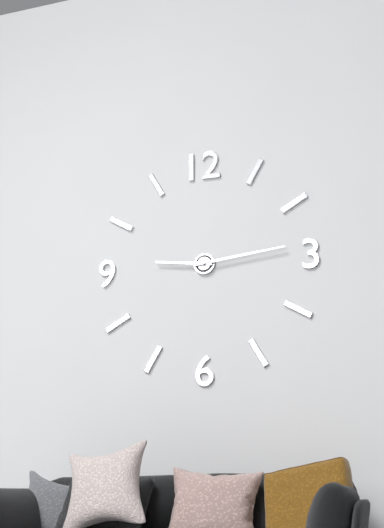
9:14
